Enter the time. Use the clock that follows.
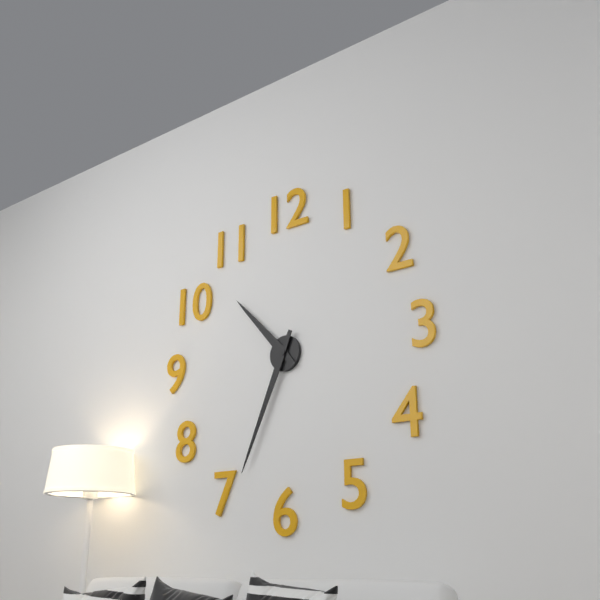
10:34
